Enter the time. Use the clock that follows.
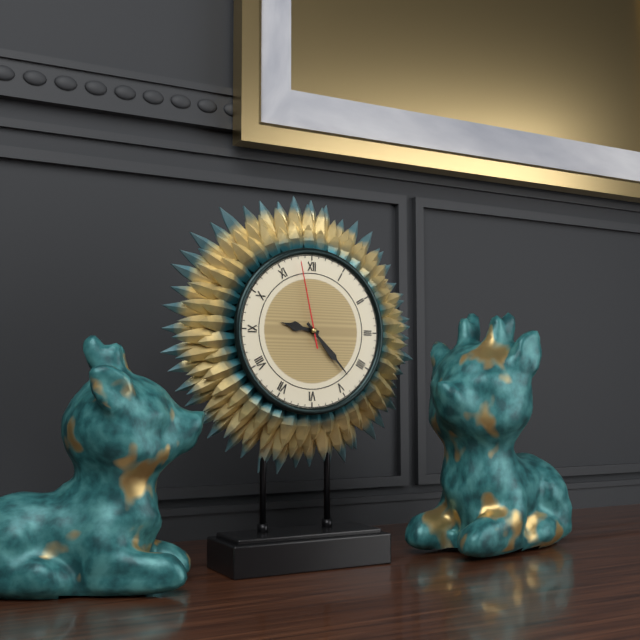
9:23:58
